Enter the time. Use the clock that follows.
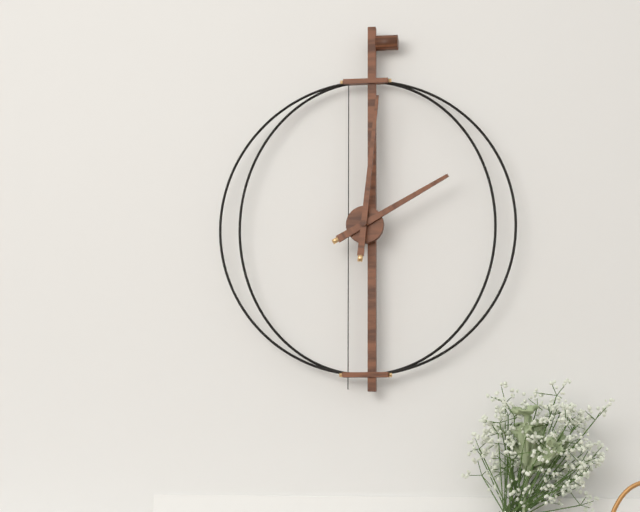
2:01
